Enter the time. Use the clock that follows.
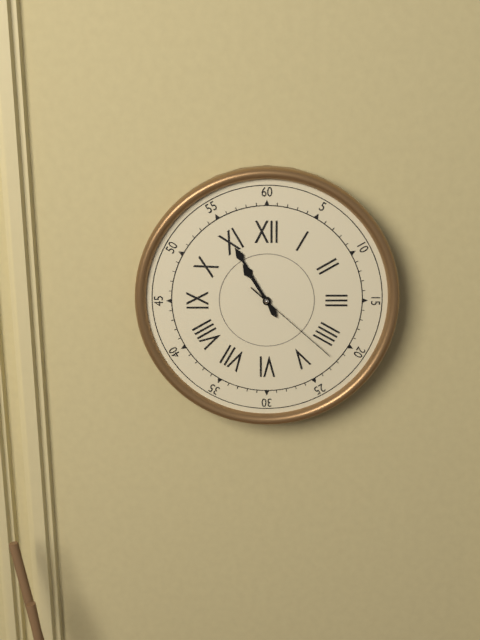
10:55:22
